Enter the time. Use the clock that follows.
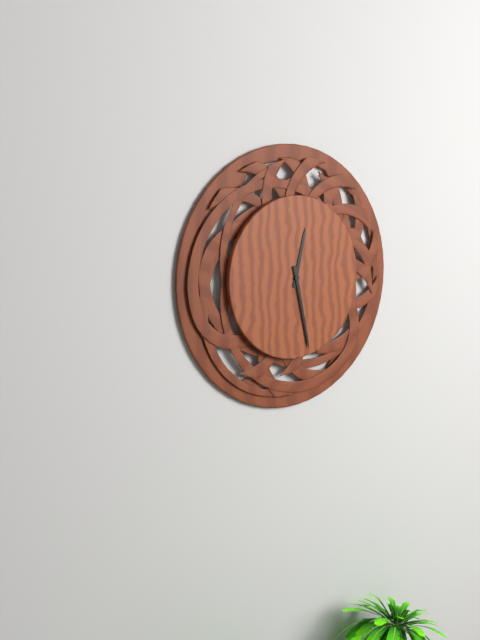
12:28
